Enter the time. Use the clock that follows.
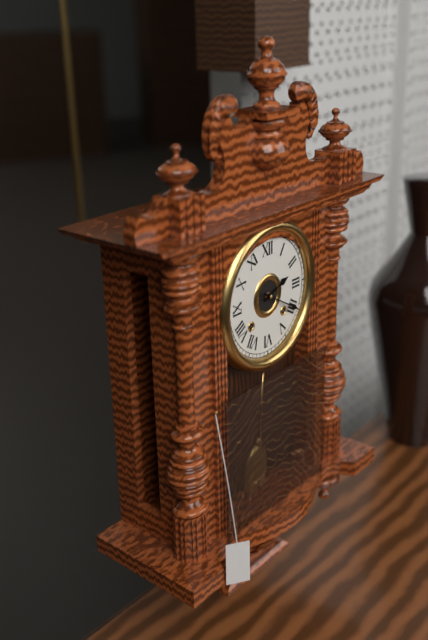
2:20
